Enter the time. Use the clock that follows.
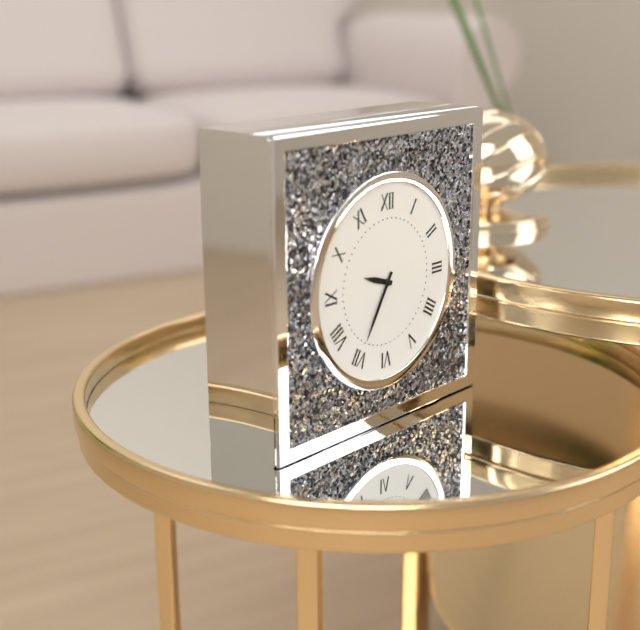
9:35
